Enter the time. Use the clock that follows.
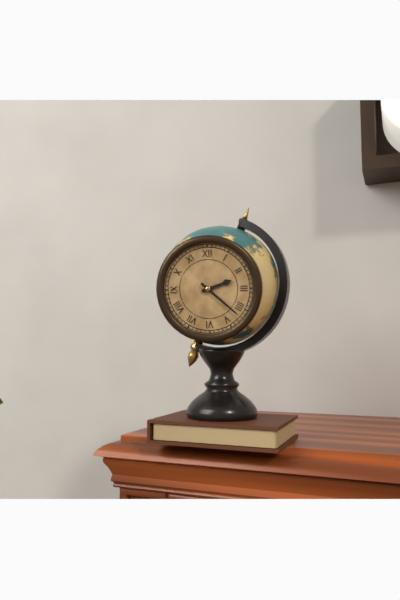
2:22
